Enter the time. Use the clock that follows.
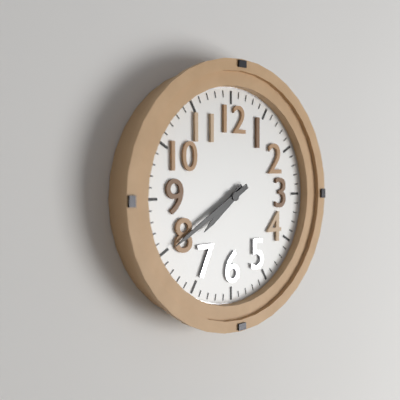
7:40
